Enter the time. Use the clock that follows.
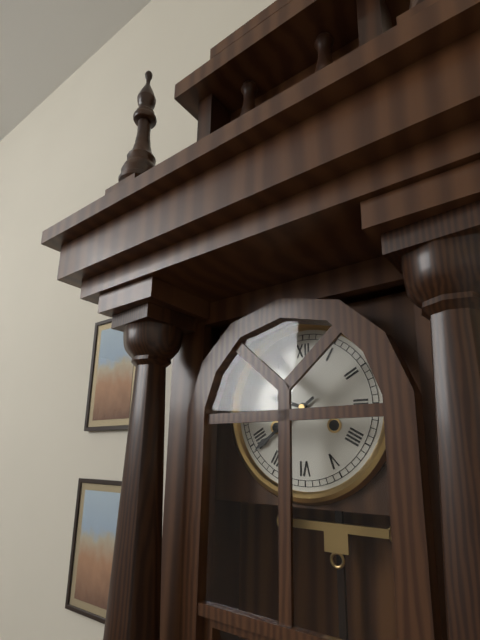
9:39
